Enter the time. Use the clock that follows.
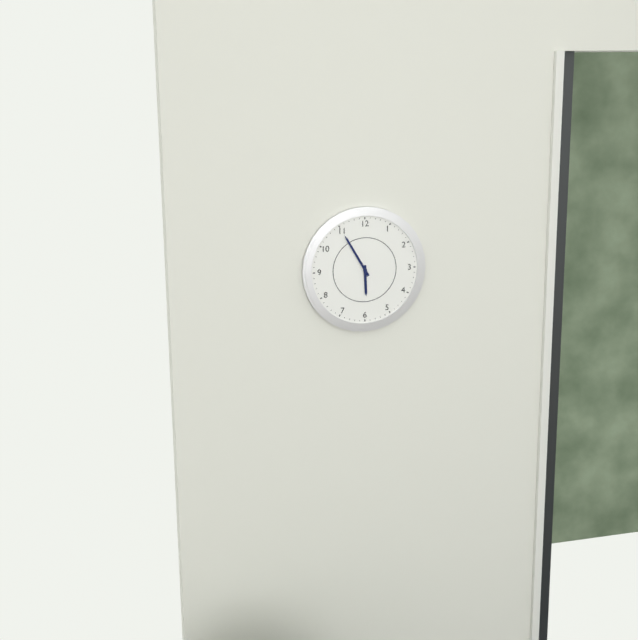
5:55
